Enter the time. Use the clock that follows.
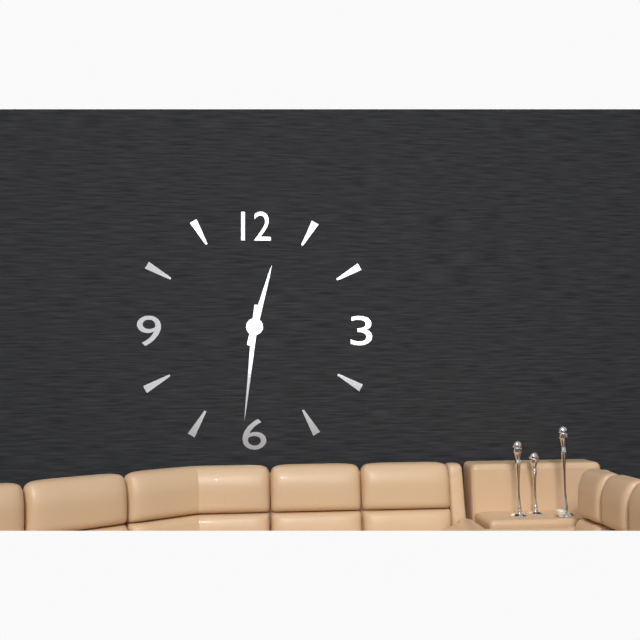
12:31
